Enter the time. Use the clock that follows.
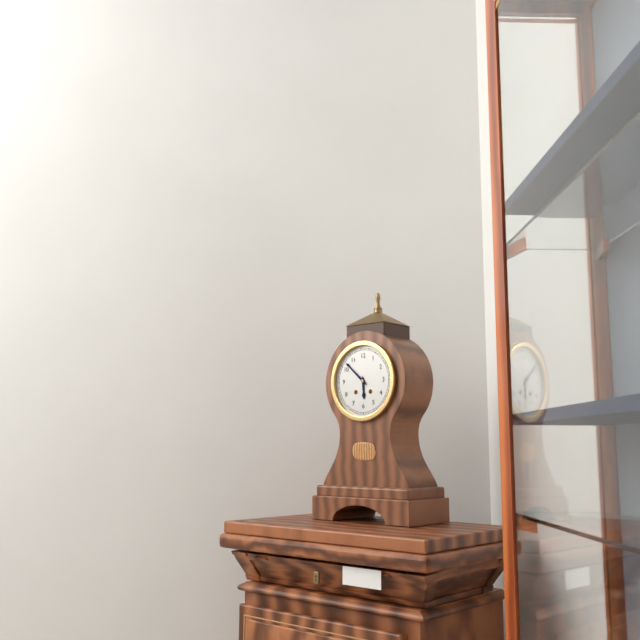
5:52
